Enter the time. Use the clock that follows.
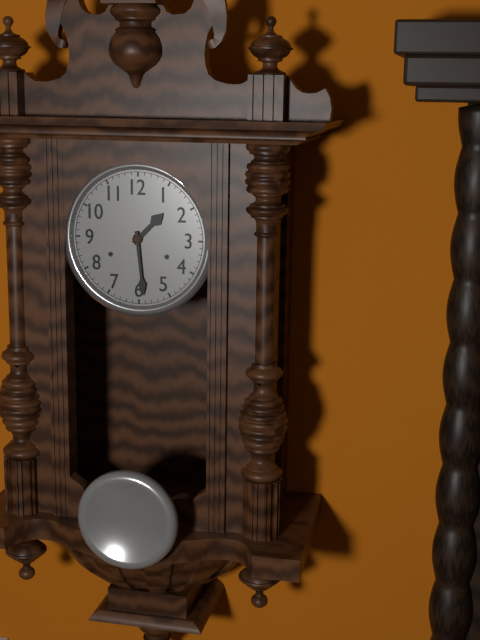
1:29
